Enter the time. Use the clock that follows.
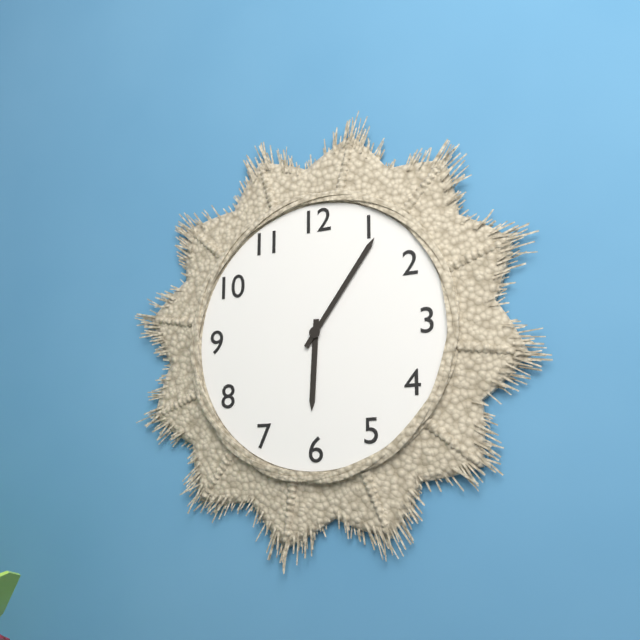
6:06
